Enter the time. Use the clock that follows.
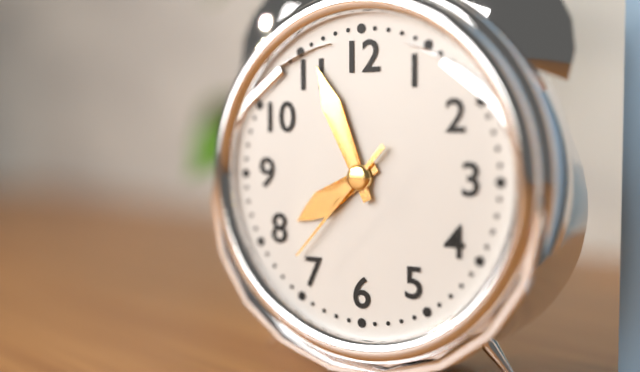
7:56:37
